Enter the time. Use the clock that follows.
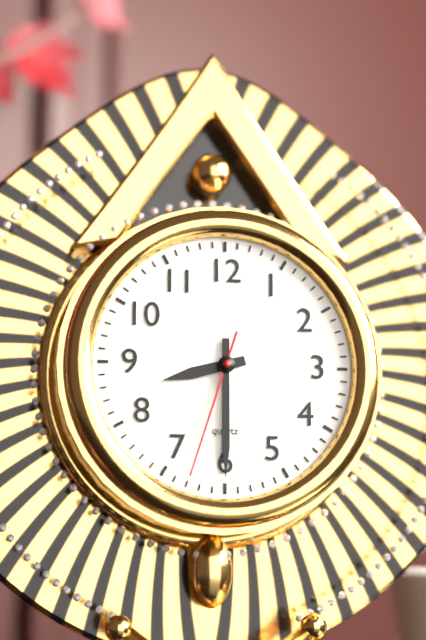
8:30:33
